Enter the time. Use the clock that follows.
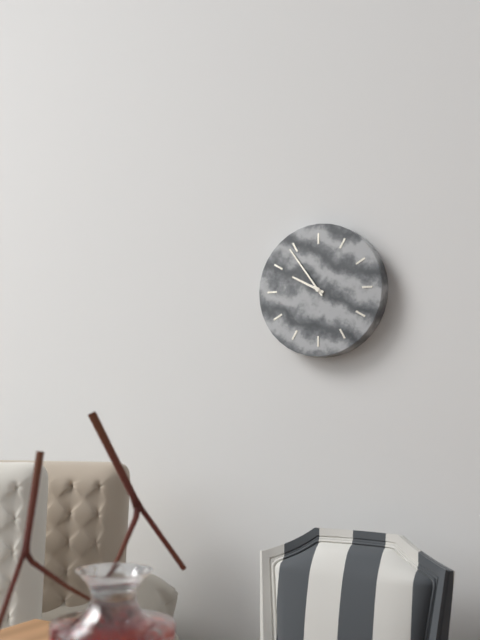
9:54
